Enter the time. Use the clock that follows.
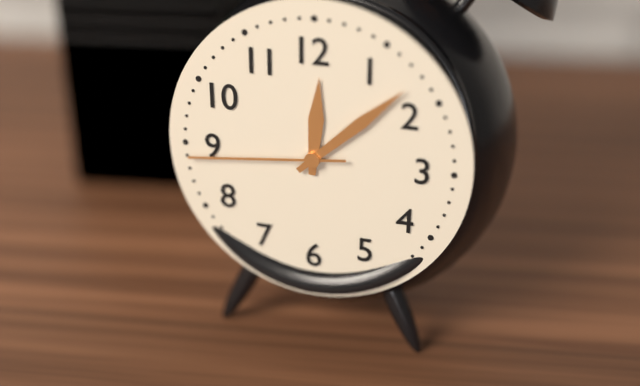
12:08:44
